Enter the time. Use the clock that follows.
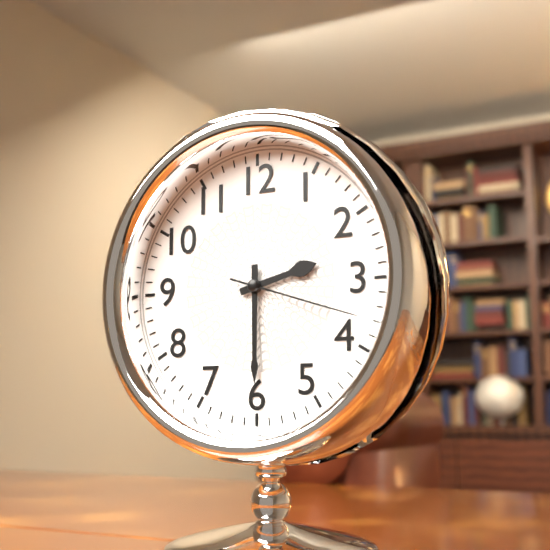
2:30:18
